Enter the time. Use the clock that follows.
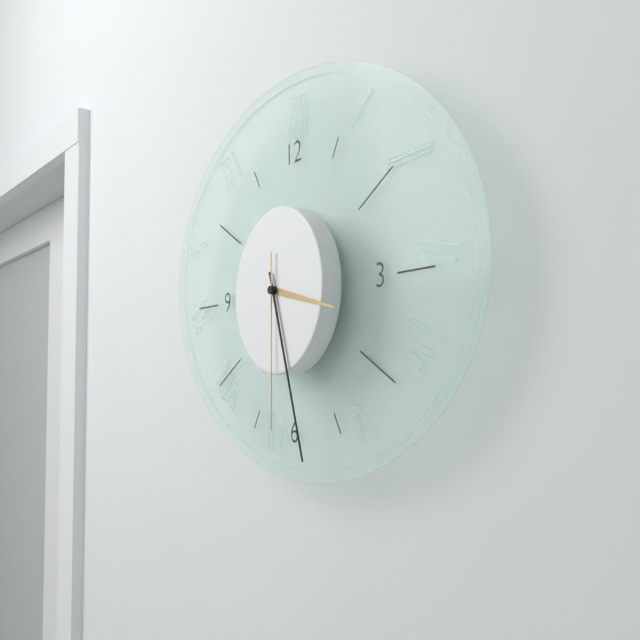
3:27:30
